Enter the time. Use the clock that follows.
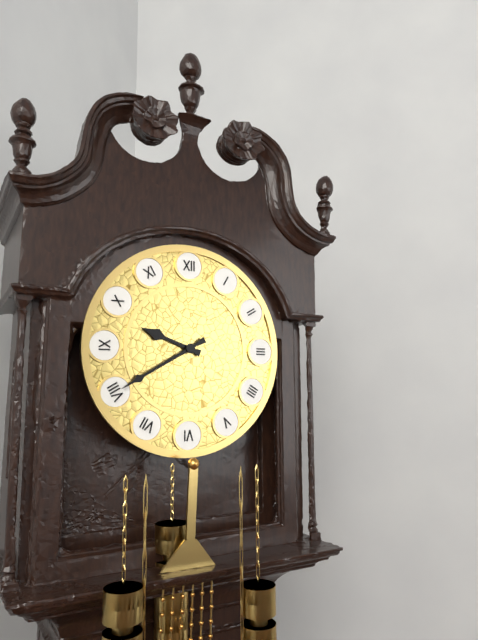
9:40
